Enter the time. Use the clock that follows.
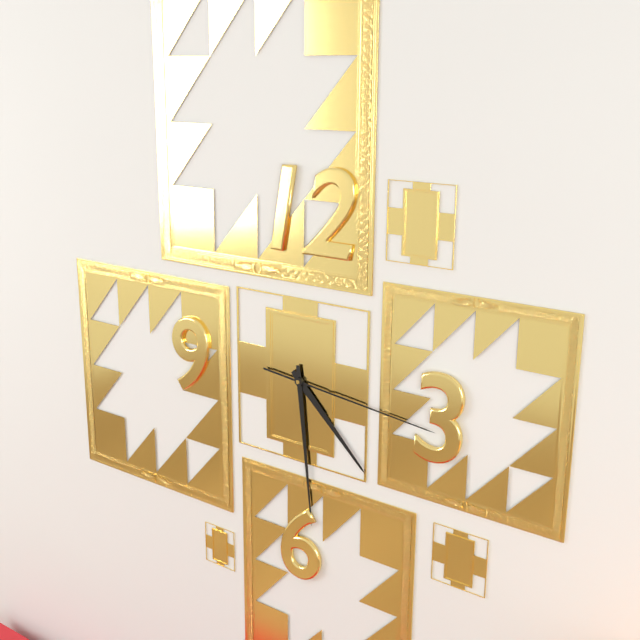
4:29:16
